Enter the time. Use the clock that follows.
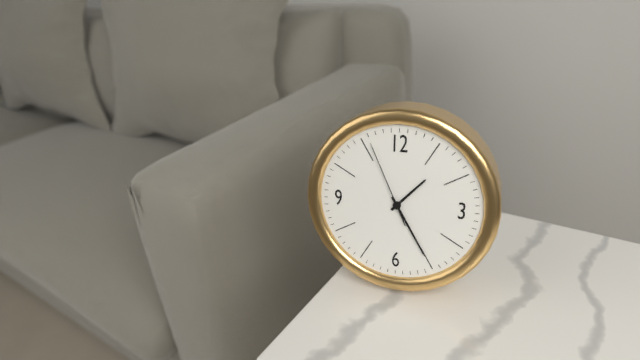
1:25:56
